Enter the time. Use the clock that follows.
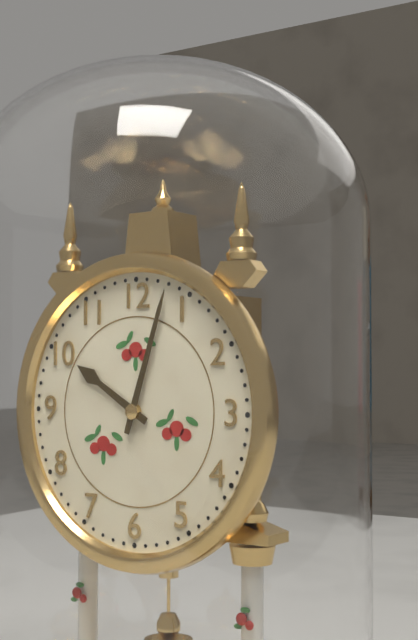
10:03
